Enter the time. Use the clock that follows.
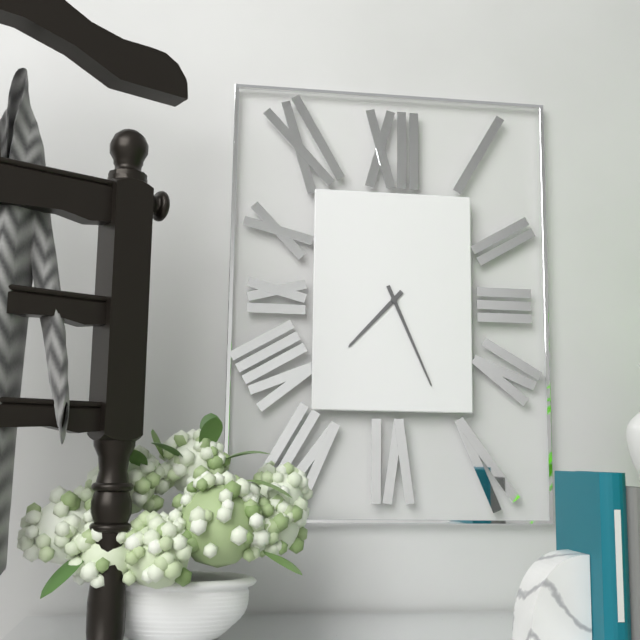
7:26
